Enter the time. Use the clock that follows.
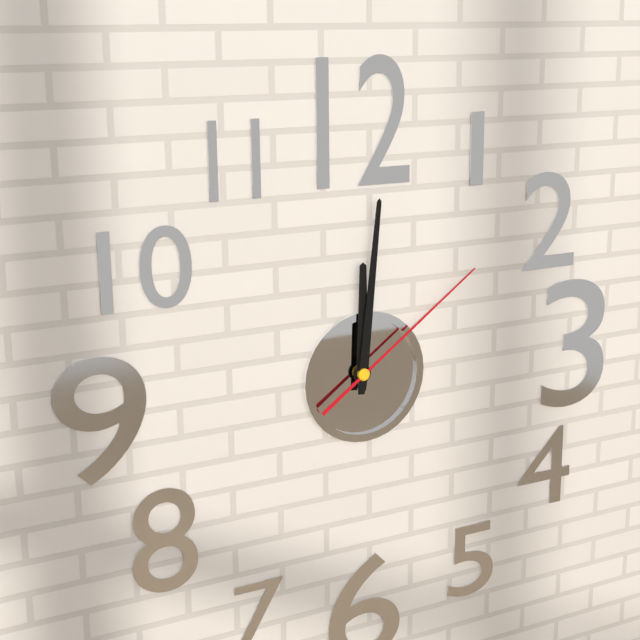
12:01:09
